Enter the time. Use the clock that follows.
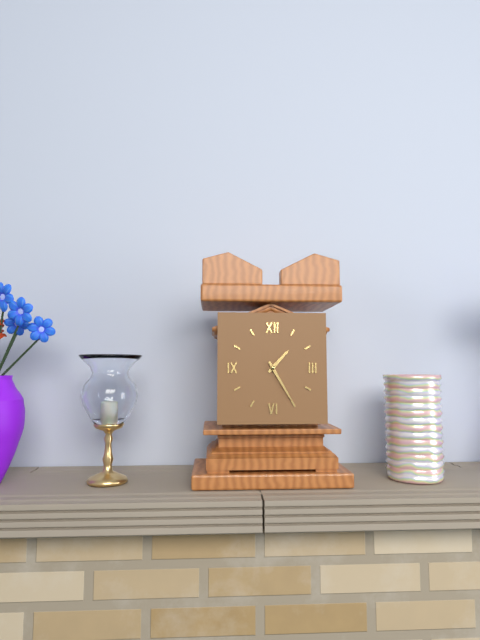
1:25
